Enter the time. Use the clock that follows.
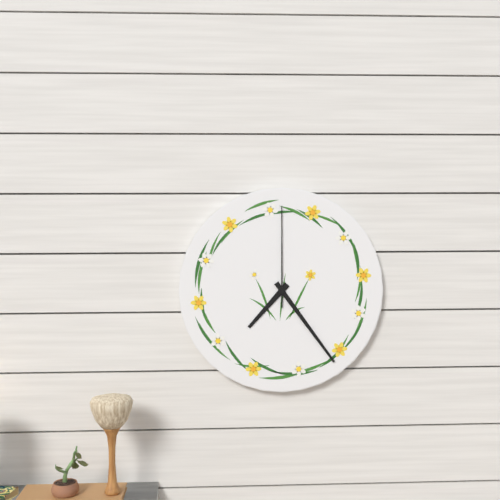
7:24:00
